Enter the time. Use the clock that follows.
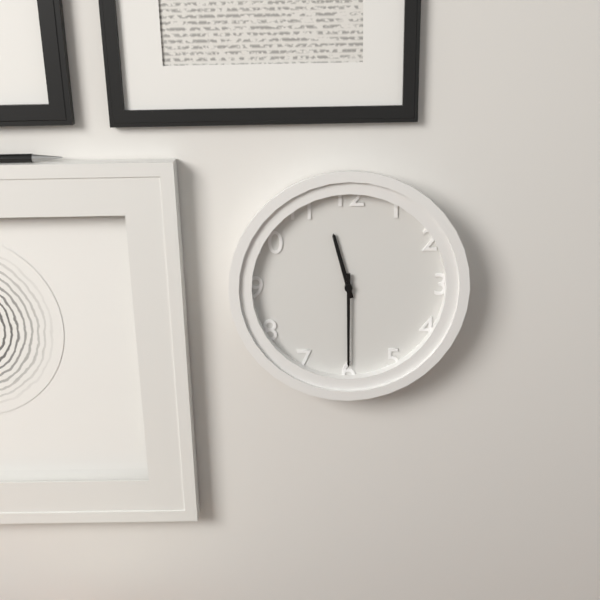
11:30
